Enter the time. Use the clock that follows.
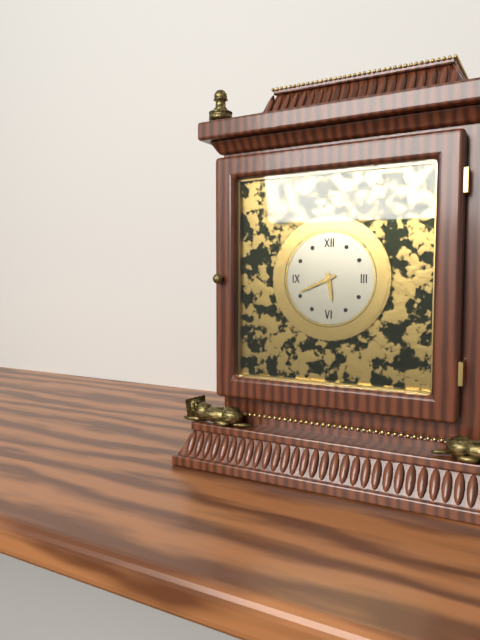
5:41
